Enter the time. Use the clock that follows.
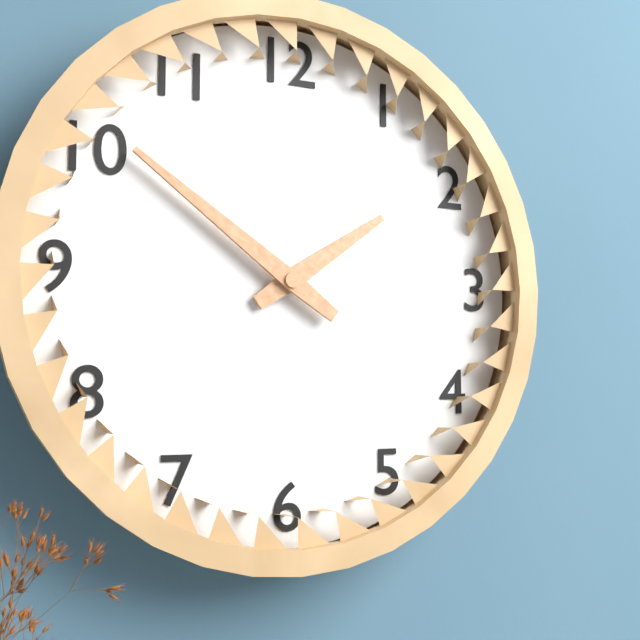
1:51
